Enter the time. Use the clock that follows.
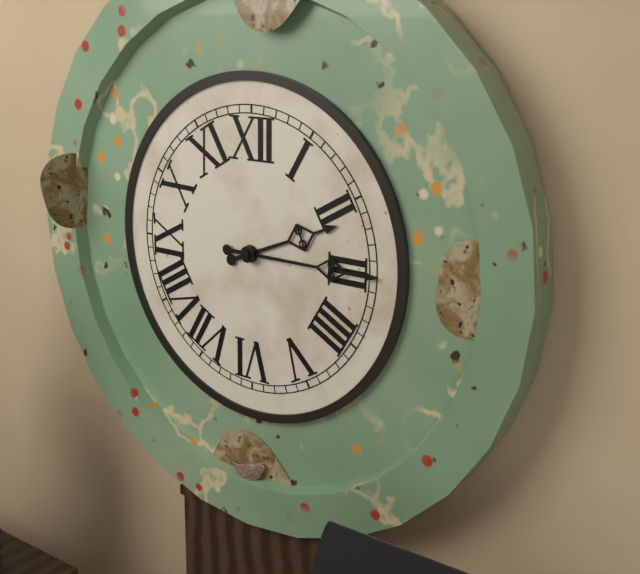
2:15
